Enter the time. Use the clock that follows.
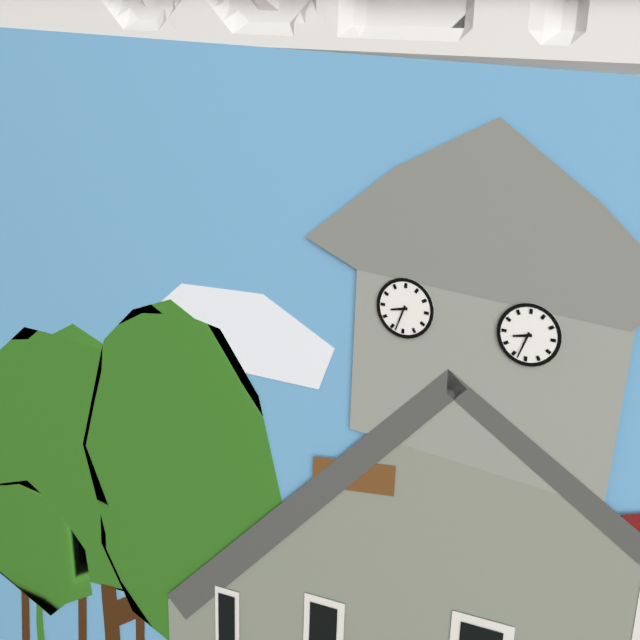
8:33
